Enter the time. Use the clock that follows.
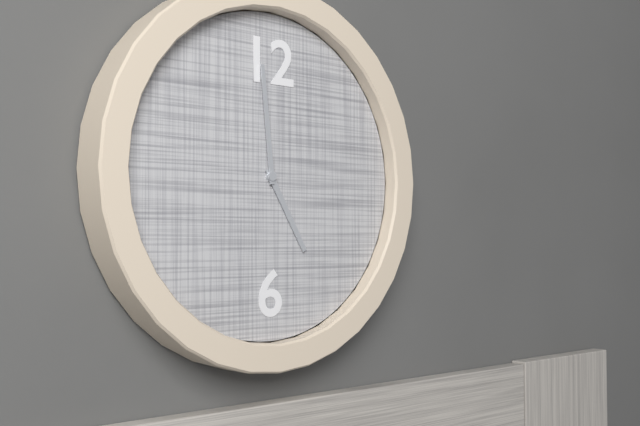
4:59
